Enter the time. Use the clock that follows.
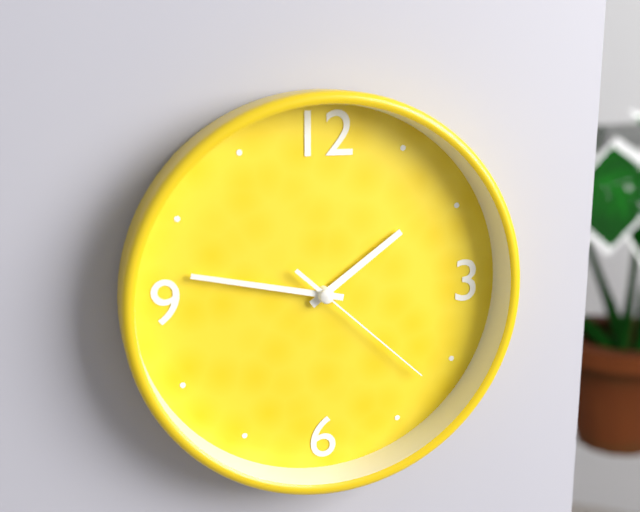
1:47:22
